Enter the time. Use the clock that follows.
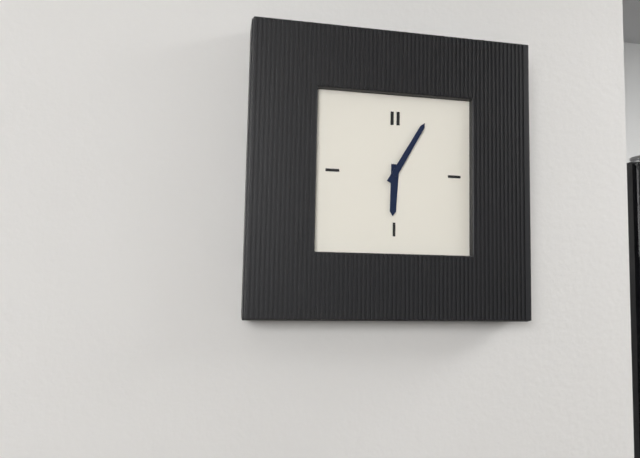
6:05
